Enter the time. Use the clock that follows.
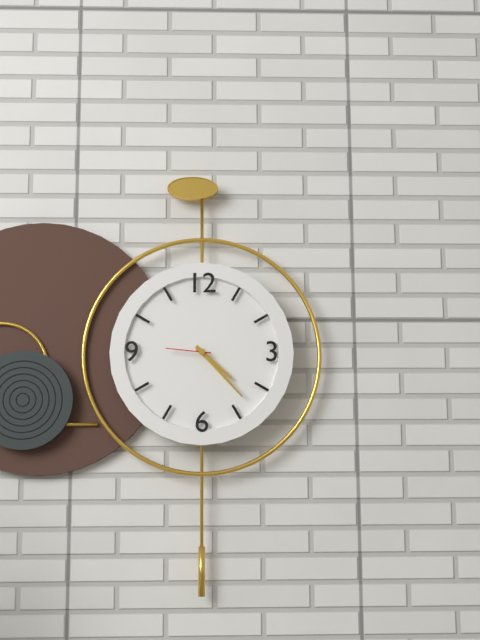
4:23
